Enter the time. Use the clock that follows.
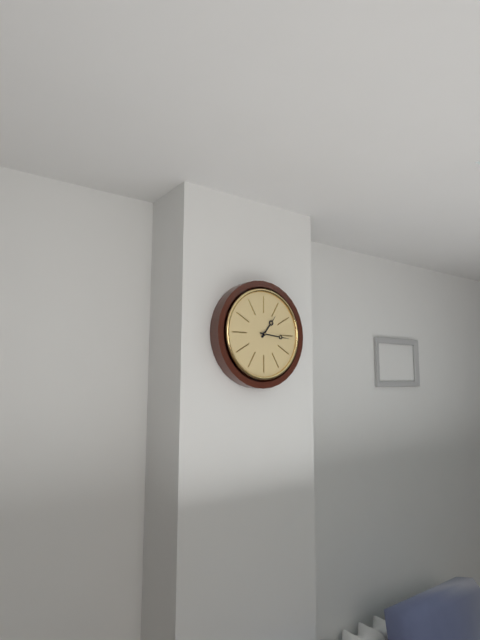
1:16
